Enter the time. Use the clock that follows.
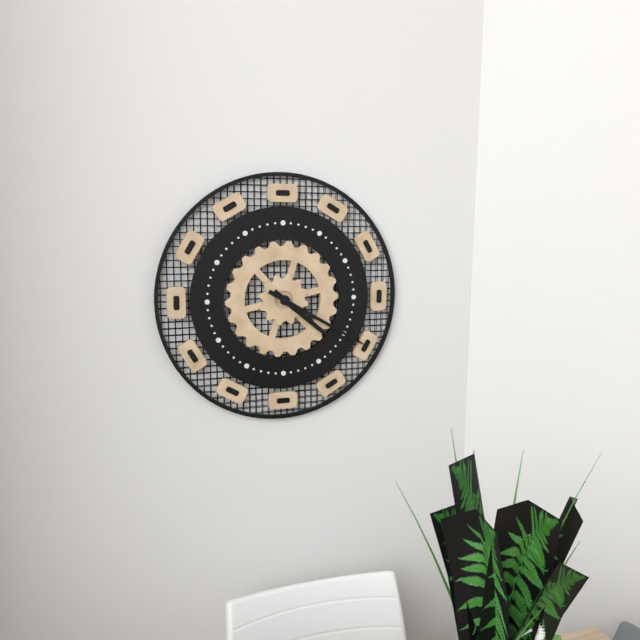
4:20
